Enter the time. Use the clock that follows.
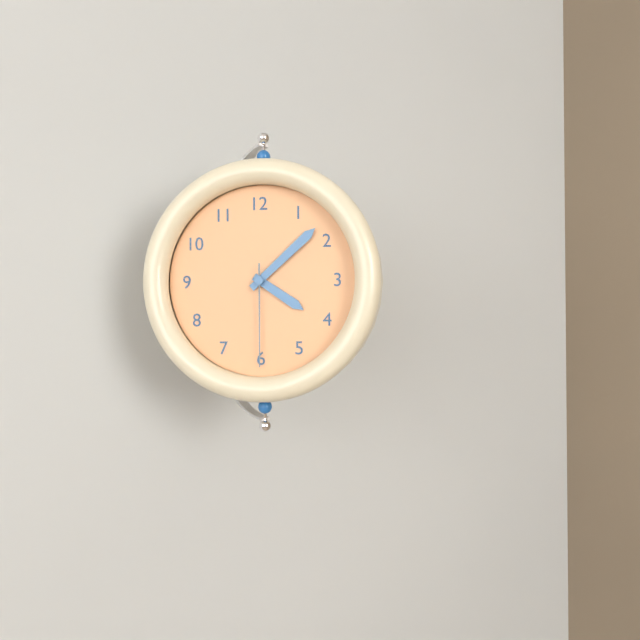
4:08:30
